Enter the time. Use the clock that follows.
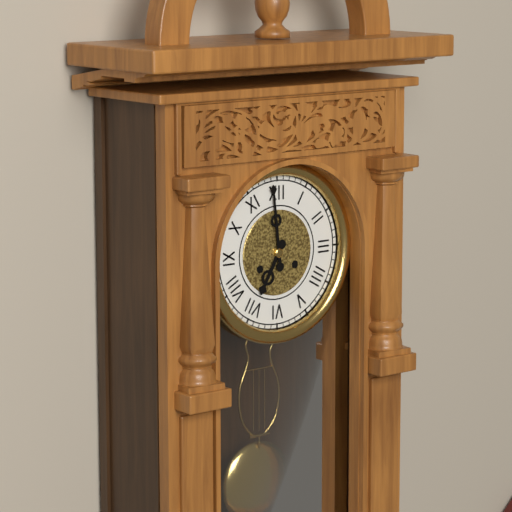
6:59
